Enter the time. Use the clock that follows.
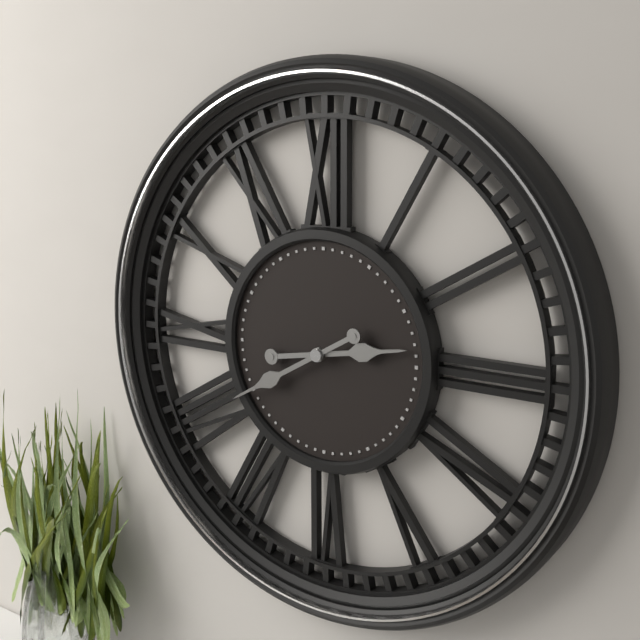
2:40
